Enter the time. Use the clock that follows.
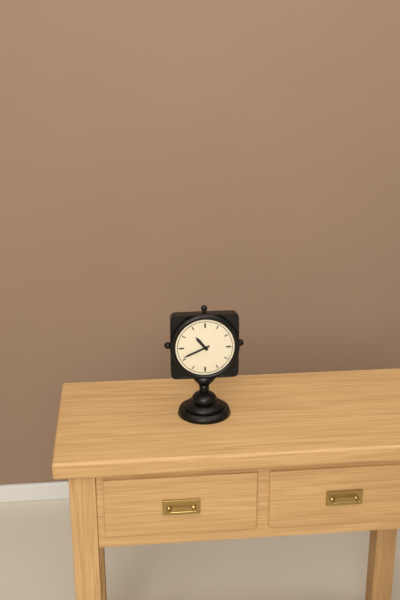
10:41
